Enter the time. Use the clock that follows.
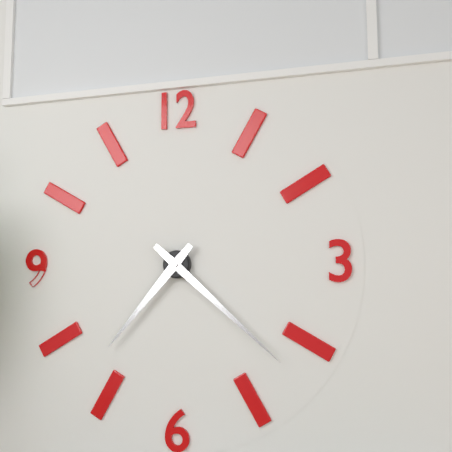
7:22
